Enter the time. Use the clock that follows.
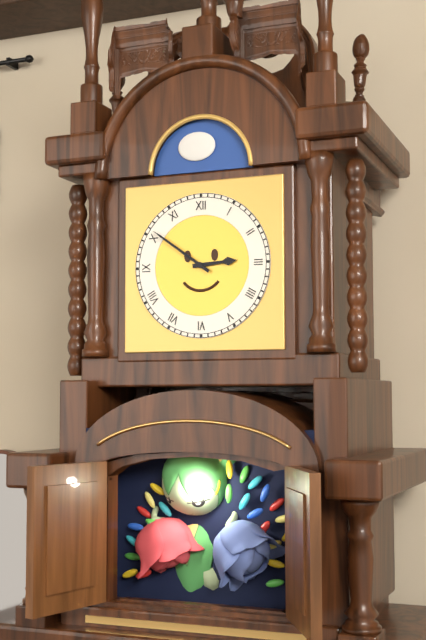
2:51
